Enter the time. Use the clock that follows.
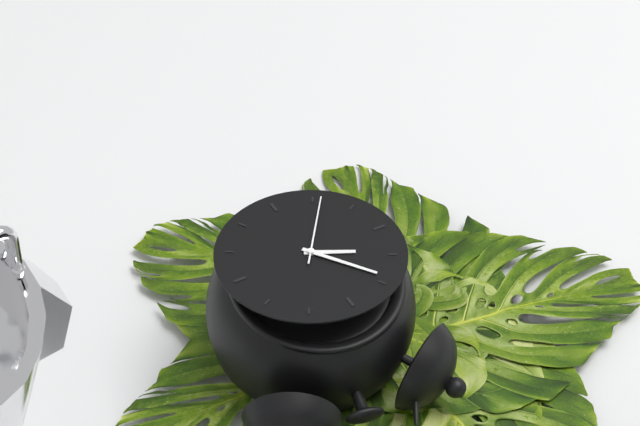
9:54:36
